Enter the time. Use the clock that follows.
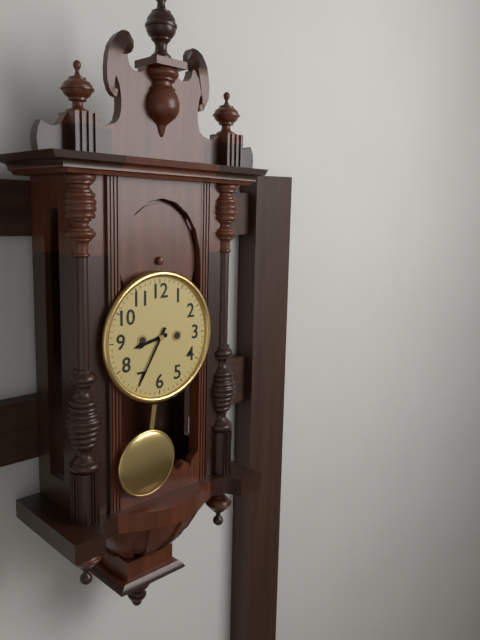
8:35
